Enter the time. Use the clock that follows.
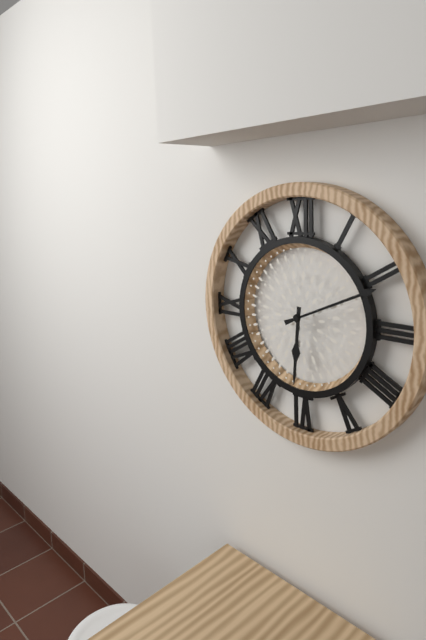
6:11
